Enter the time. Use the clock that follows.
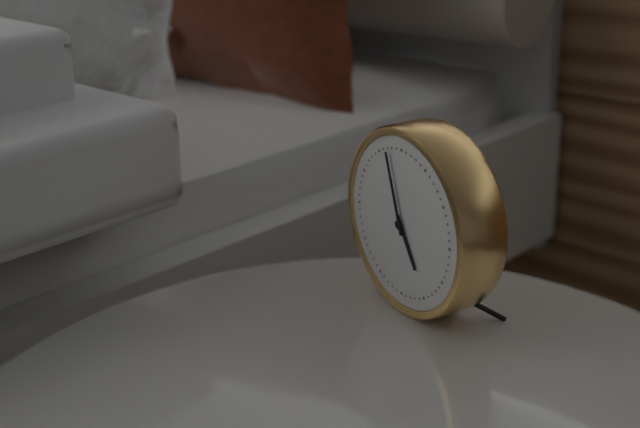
4:57
